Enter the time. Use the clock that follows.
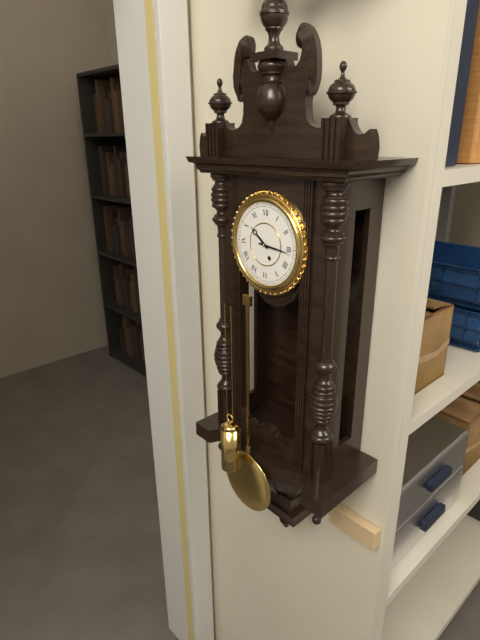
10:16
